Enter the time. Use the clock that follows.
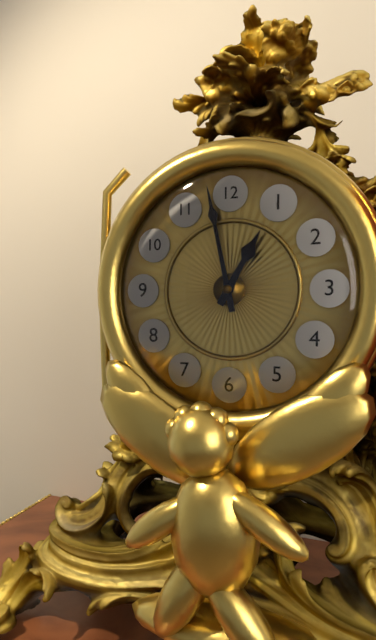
12:58
